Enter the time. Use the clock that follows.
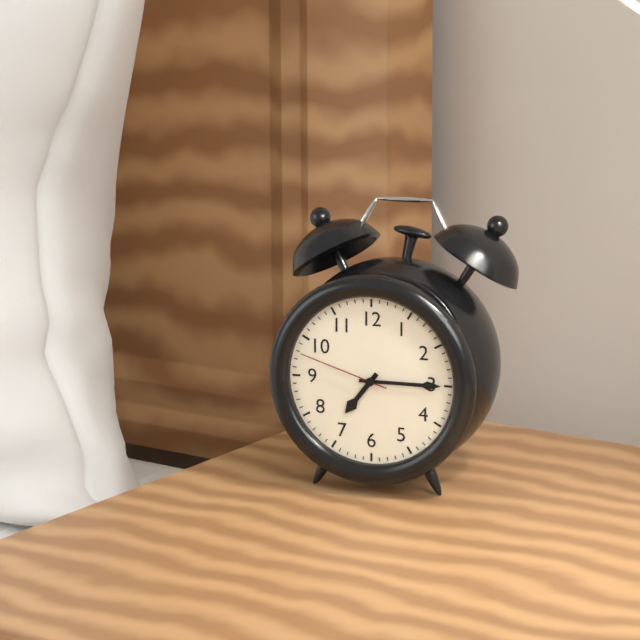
7:15:48
